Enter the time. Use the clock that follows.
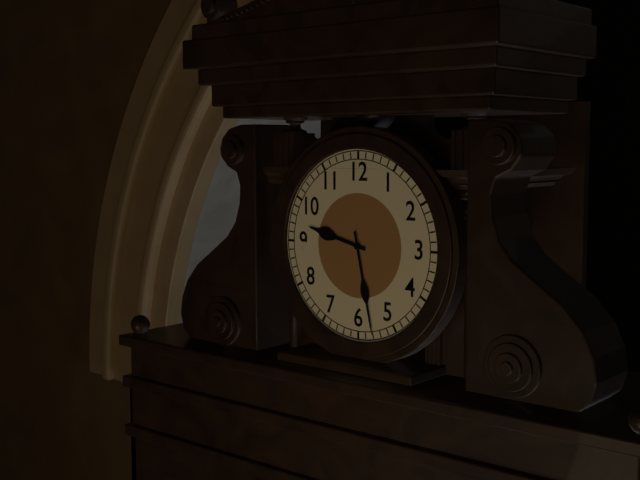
9:28
